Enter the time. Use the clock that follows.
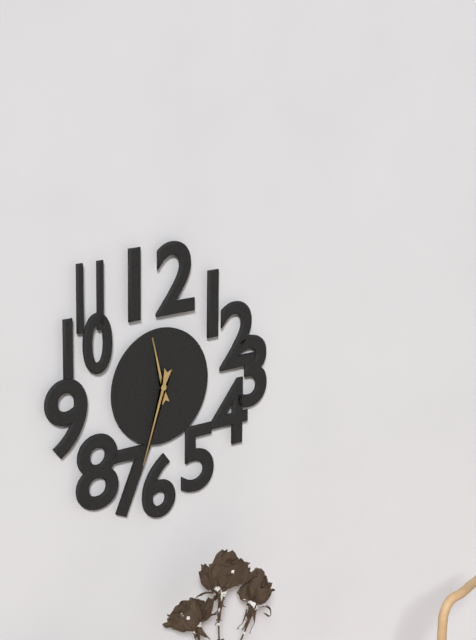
11:33
